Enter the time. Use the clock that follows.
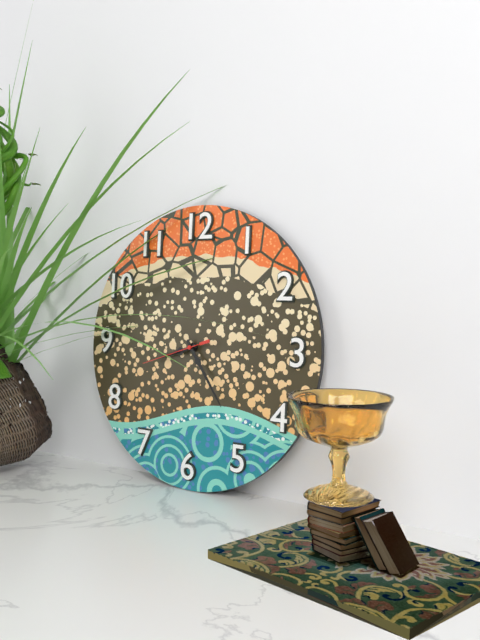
8:24:42
